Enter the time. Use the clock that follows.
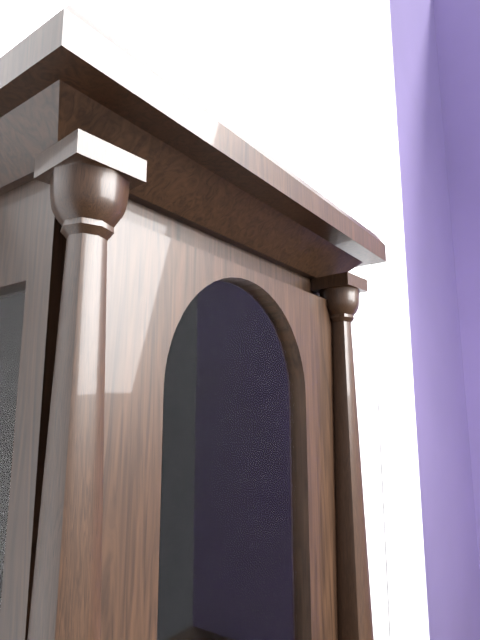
11:07
